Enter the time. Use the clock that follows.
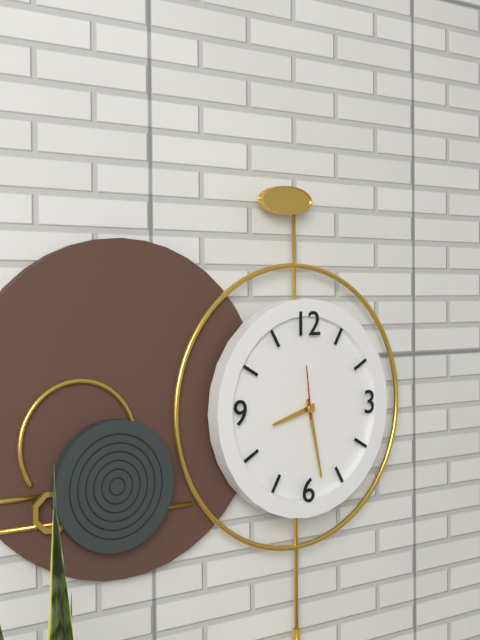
8:28:59
